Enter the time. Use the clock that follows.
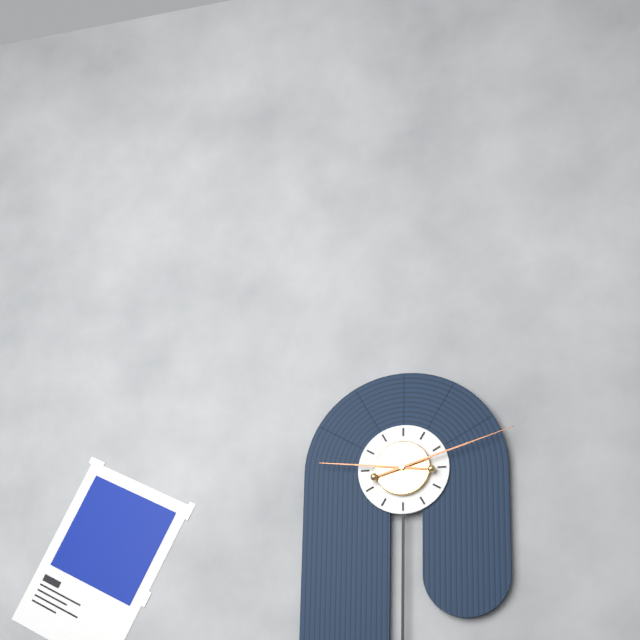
9:12
